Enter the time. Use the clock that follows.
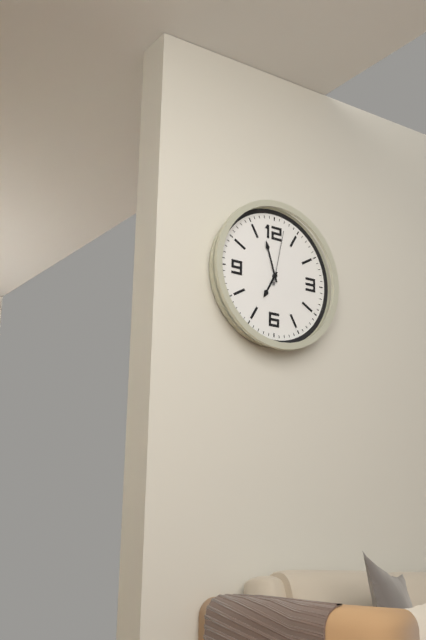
6:57:02
